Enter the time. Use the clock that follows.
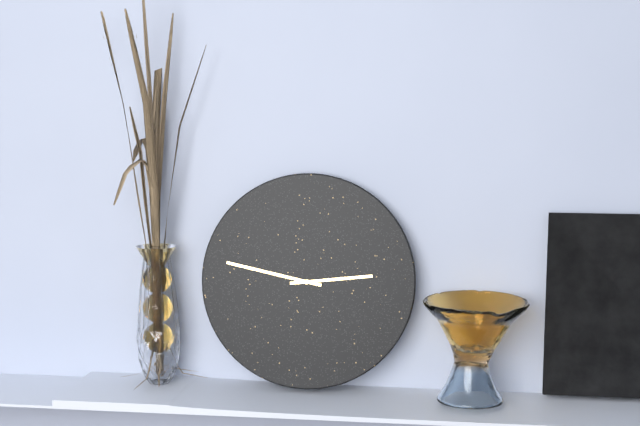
2:47
